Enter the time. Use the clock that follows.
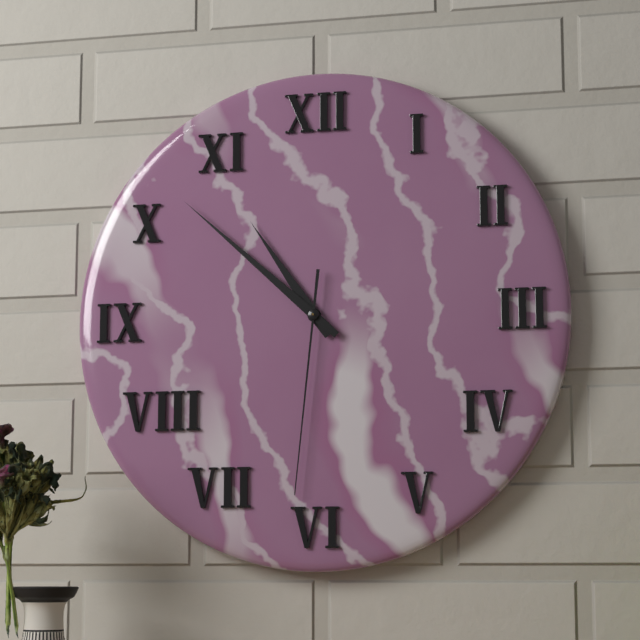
10:52:31
